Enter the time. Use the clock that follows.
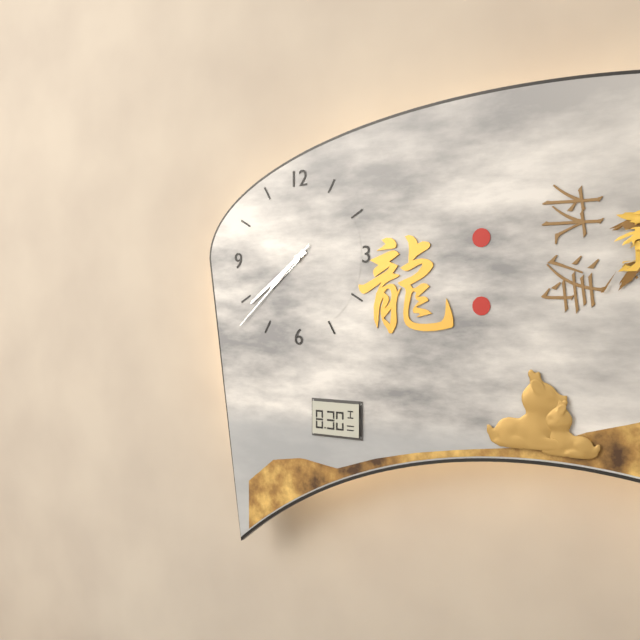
7:39:38
